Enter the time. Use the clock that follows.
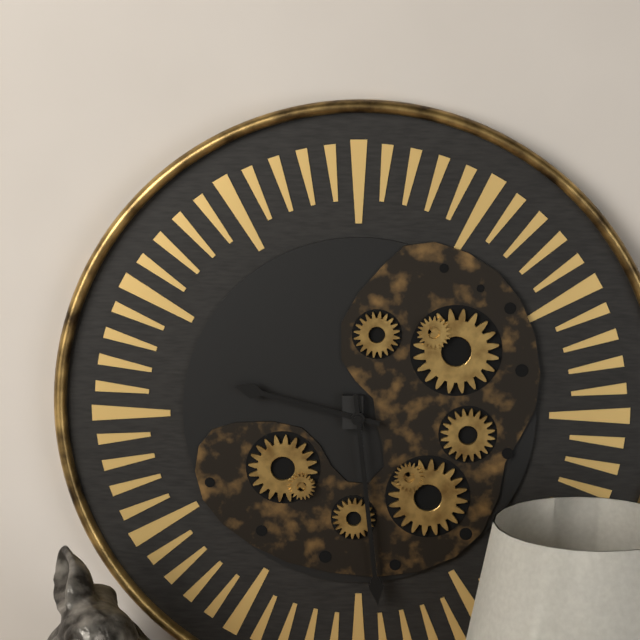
9:29
